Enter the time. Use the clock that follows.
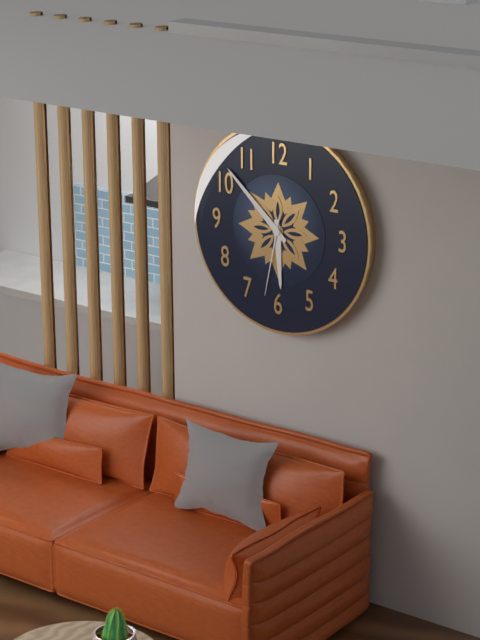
5:52:32
